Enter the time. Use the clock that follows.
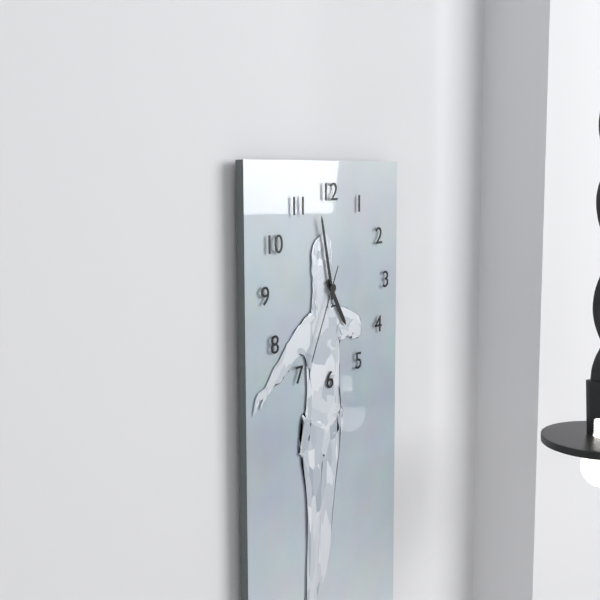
4:58:34
